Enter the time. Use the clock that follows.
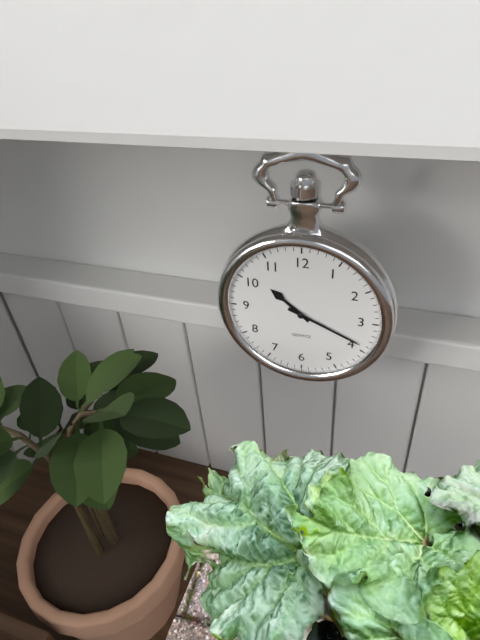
10:19
